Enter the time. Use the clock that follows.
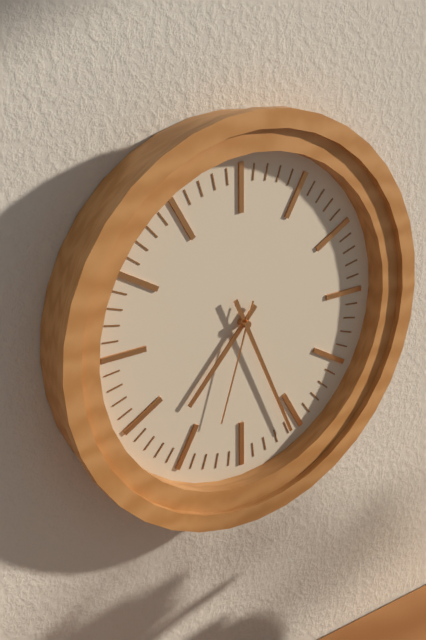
7:26:33
